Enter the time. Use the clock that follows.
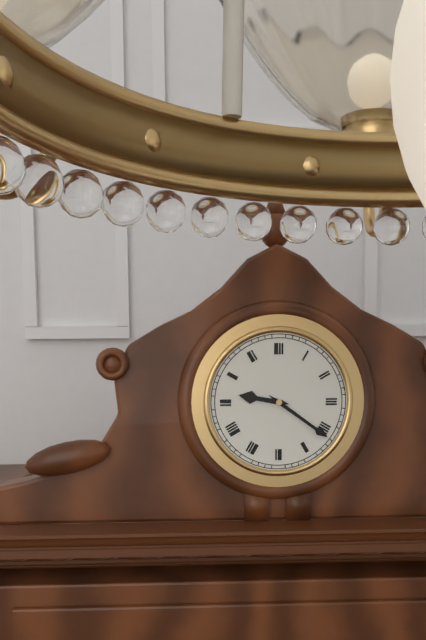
9:21
